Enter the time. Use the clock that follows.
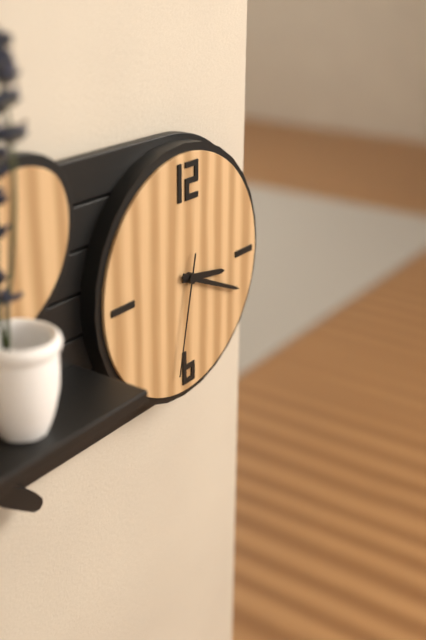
3:19:32
